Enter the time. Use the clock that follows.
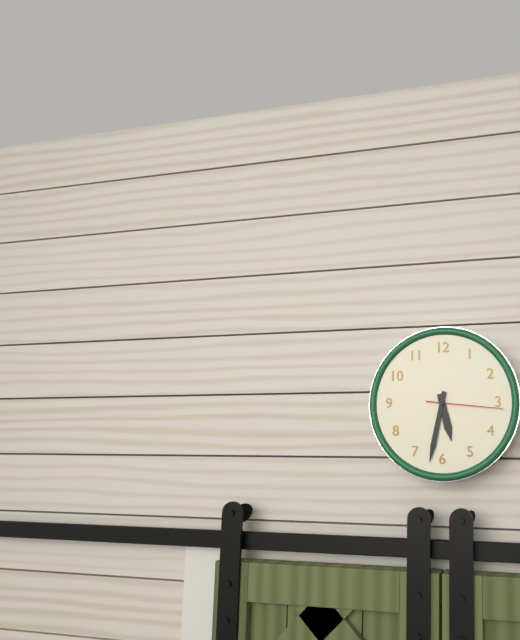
5:32:16
